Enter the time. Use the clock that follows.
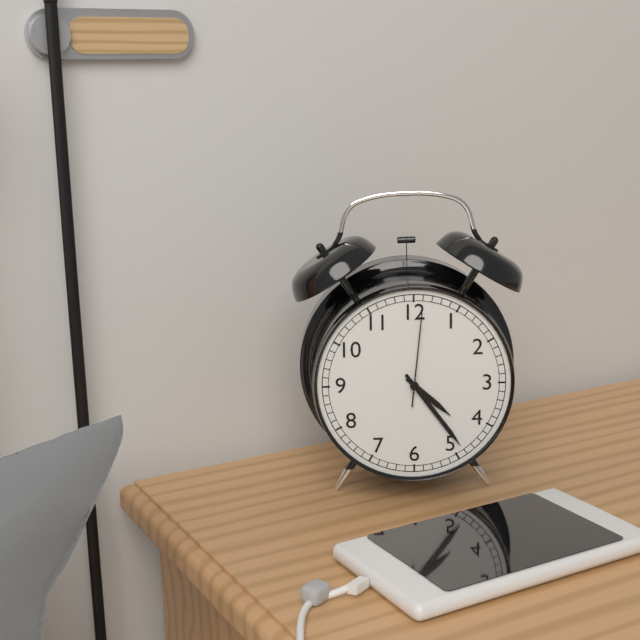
4:24:01
